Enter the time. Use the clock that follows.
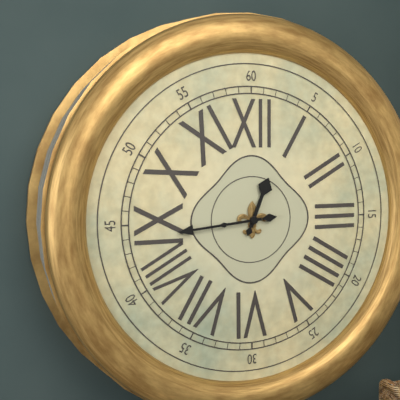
12:44
